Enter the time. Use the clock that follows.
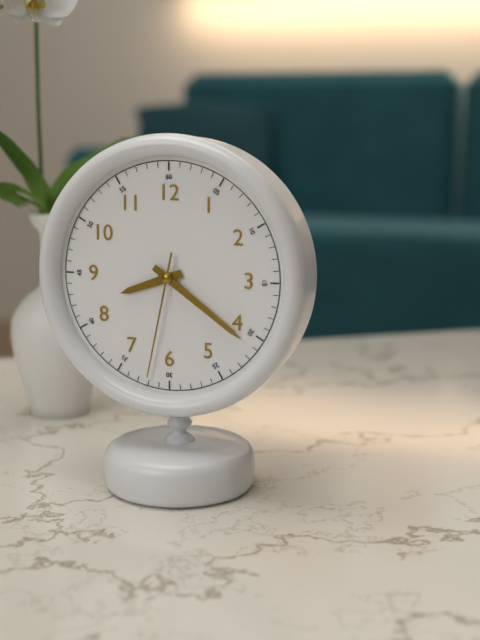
8:21:32
